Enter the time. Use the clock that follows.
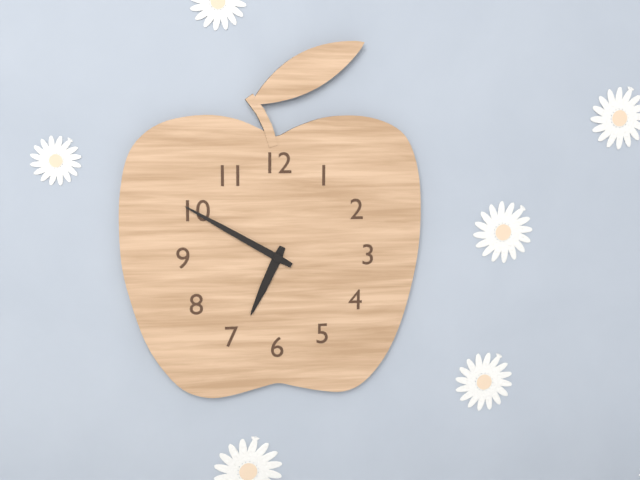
6:50
